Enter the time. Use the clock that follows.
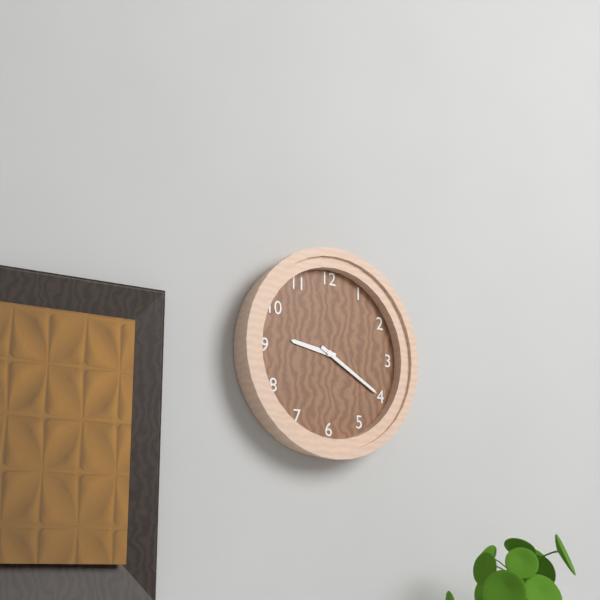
9:20
